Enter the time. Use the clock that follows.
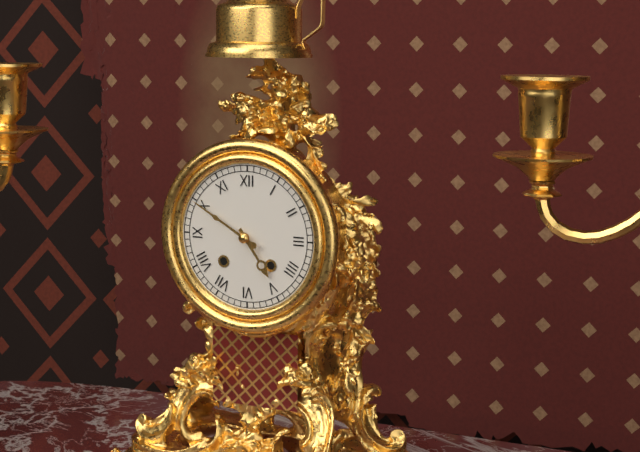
4:50
